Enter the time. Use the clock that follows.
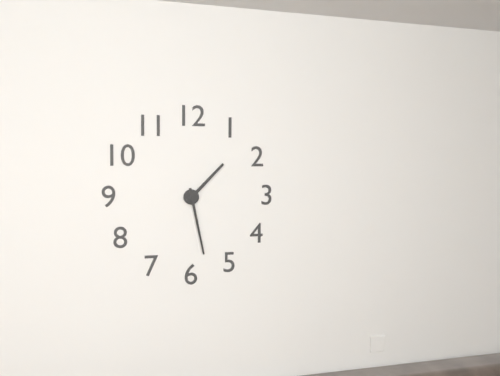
1:28
